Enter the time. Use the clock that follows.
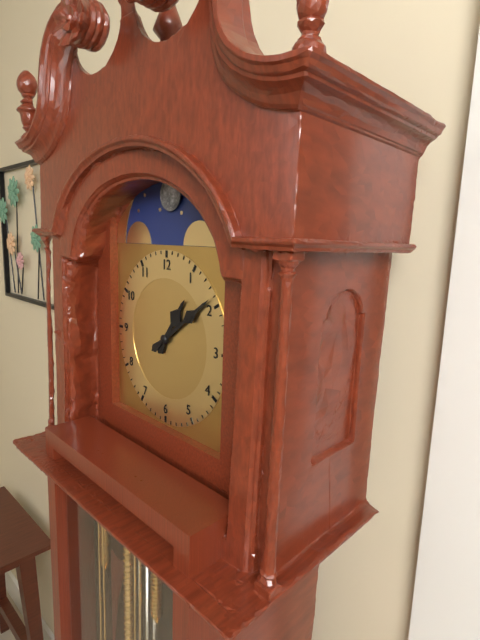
1:09
